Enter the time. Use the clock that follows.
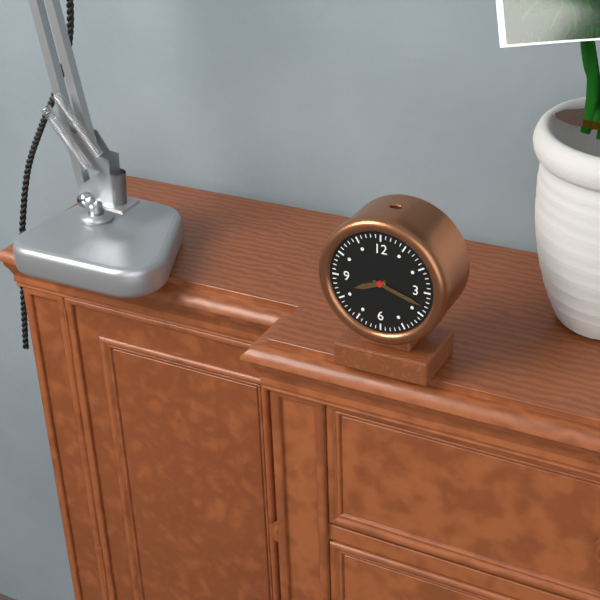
8:18
